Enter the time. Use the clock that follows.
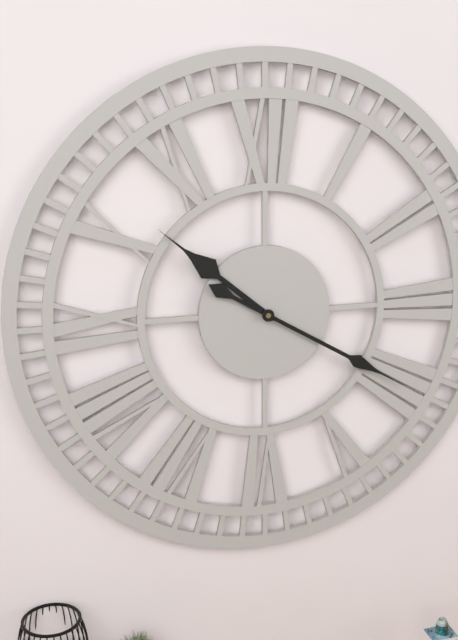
10:20
